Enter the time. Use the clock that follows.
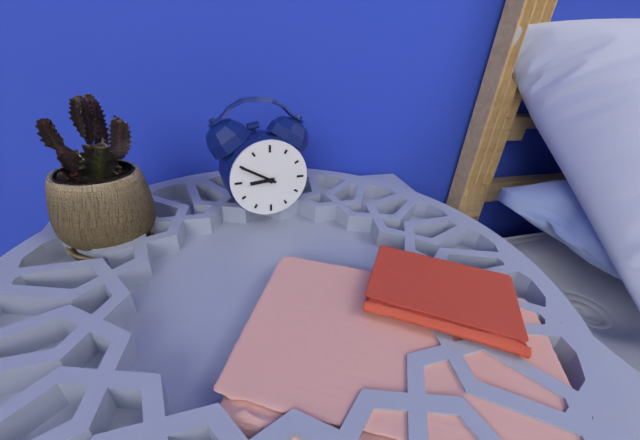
8:50
